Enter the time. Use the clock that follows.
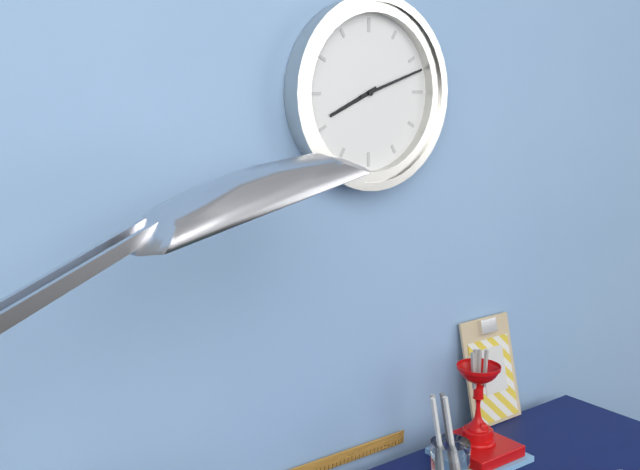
8:12
